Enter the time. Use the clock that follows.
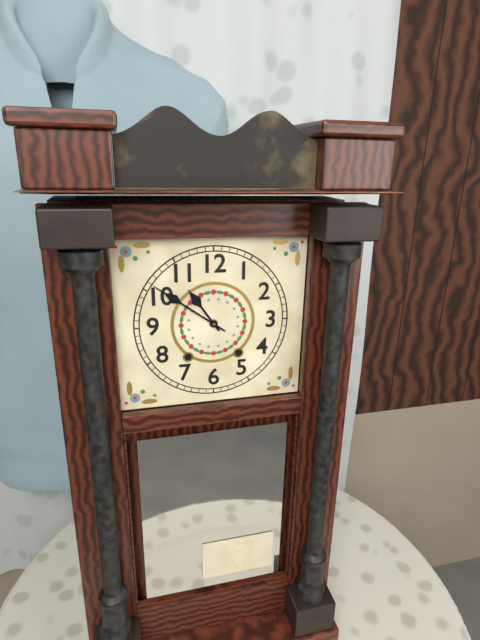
10:51
